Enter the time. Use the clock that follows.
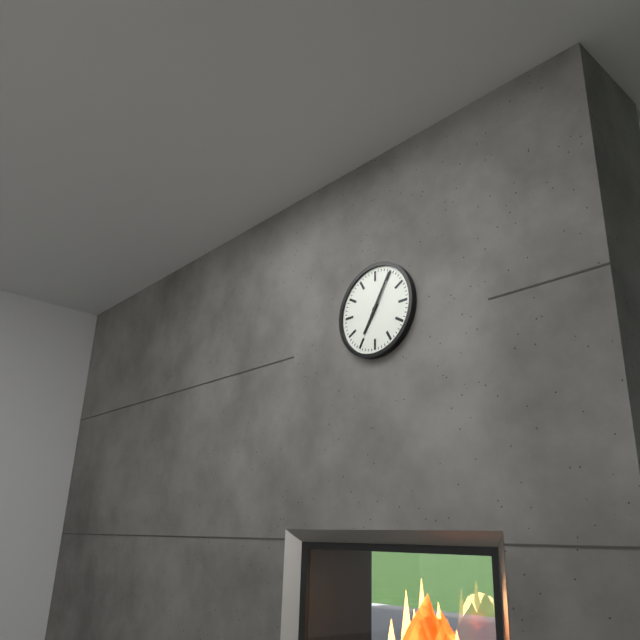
7:05
